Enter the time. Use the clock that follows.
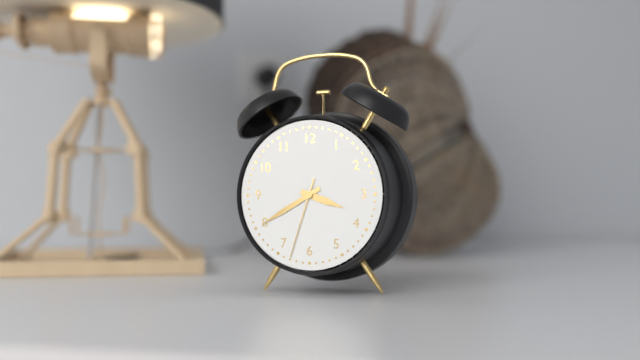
3:40:33
